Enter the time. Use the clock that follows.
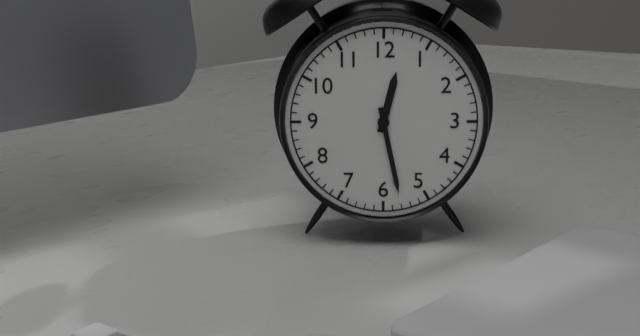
12:28
